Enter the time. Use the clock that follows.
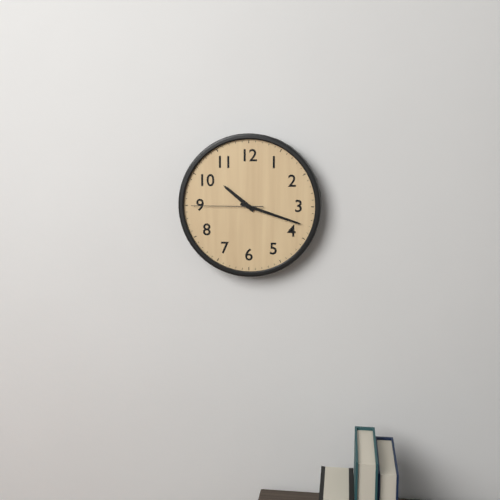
10:18:45
